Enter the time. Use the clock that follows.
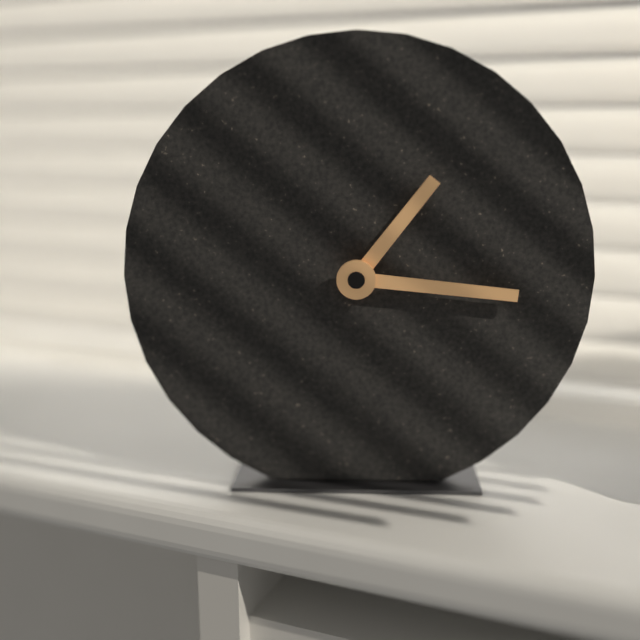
1:16
